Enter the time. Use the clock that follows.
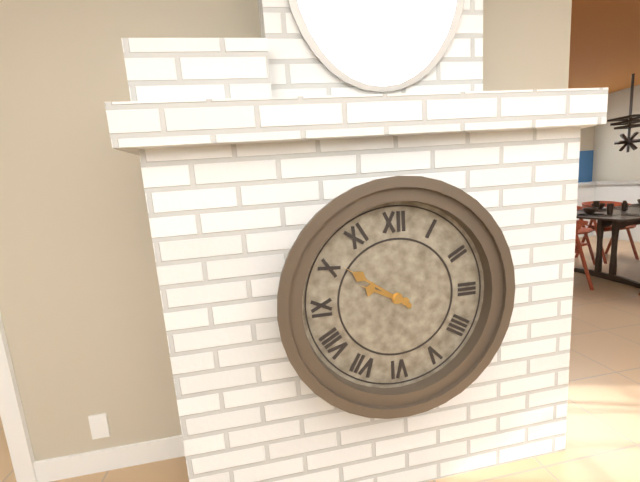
9:51
